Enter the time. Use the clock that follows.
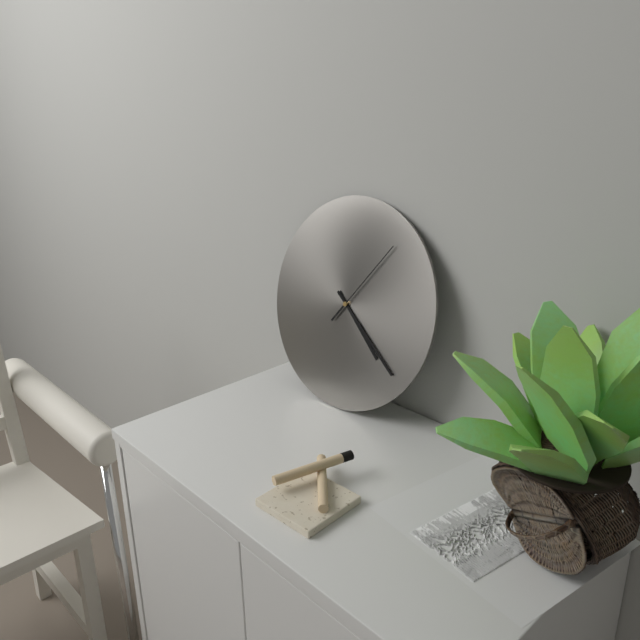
4:21:06
